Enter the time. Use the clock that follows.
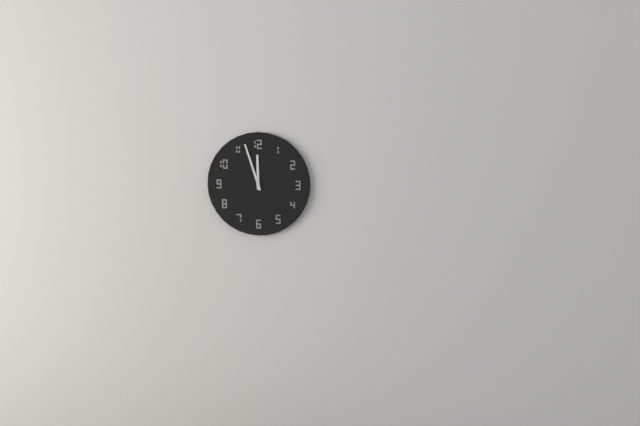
11:57
